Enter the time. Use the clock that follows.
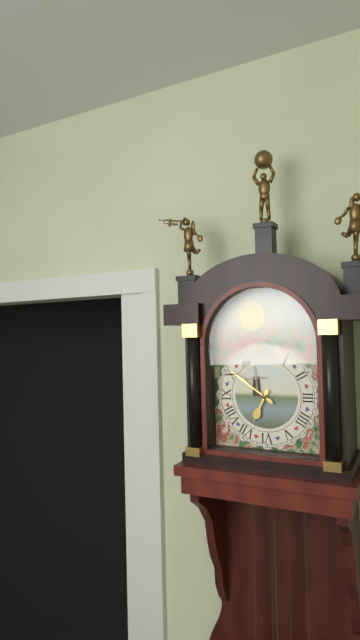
6:51
